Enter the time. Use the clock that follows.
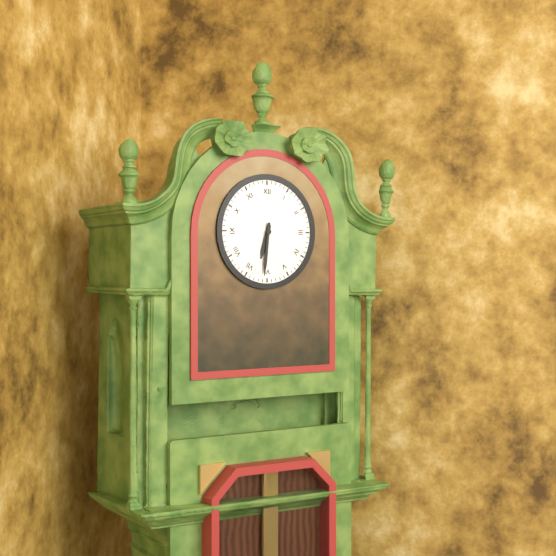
6:31
